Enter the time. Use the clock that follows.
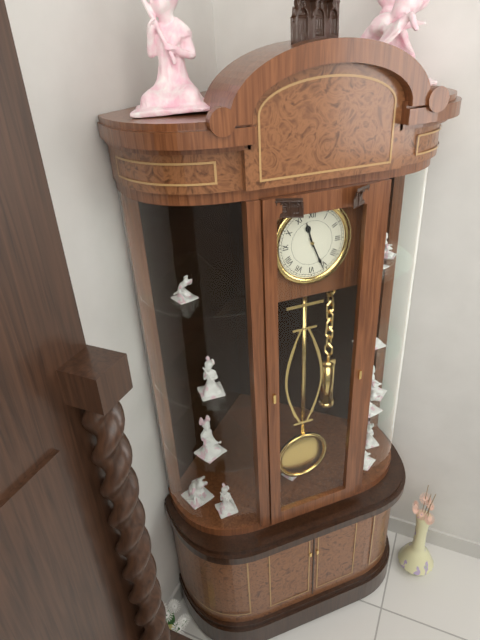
11:26
